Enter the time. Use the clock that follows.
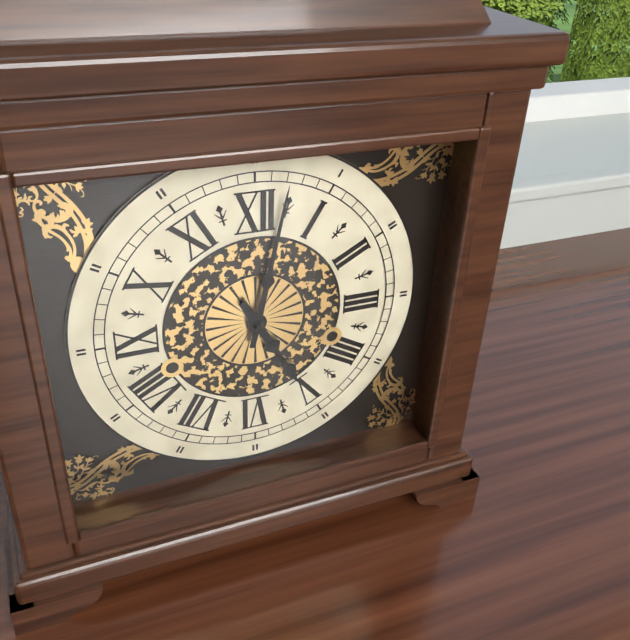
5:02
